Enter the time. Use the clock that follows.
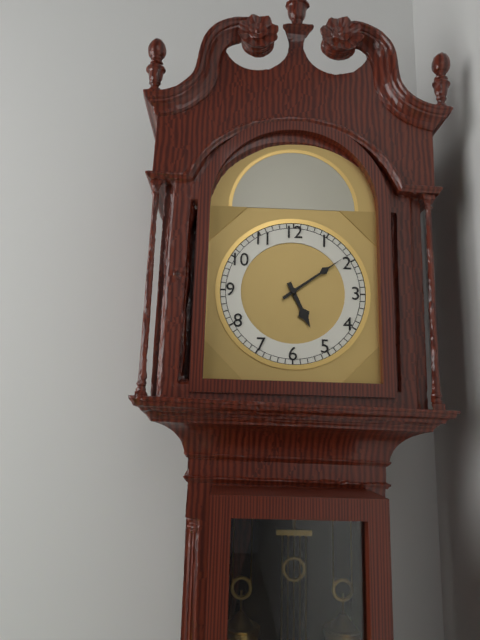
5:09
